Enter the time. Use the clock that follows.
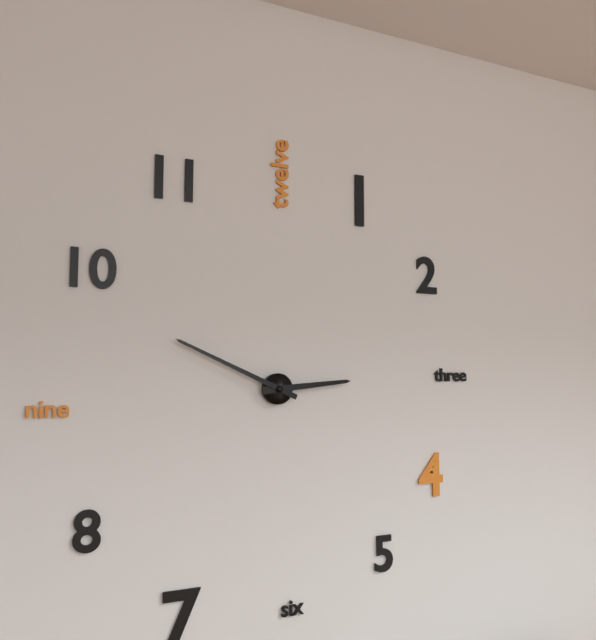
2:49
